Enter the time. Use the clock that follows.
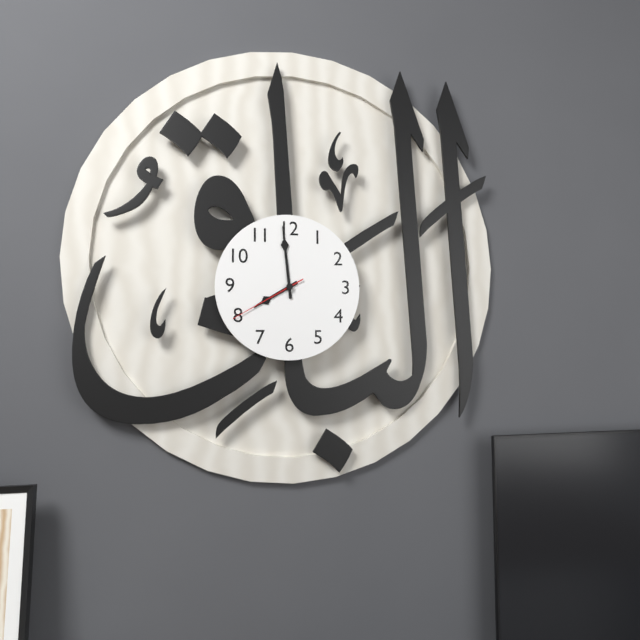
7:59:40
